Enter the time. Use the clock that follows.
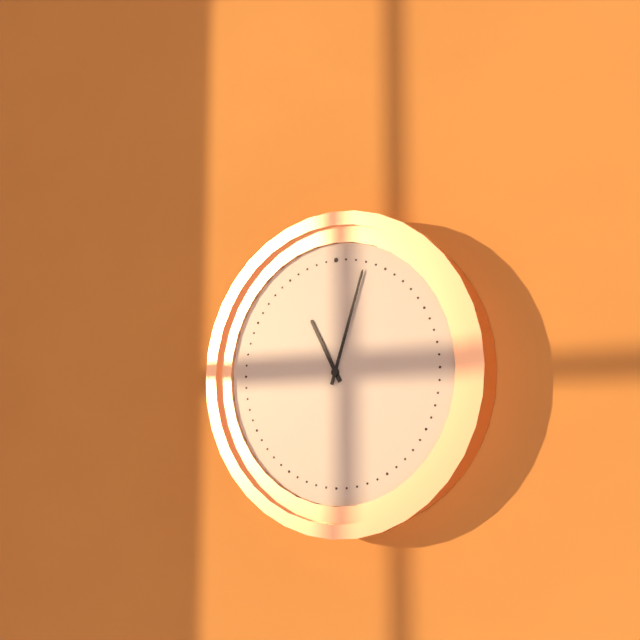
11:03
